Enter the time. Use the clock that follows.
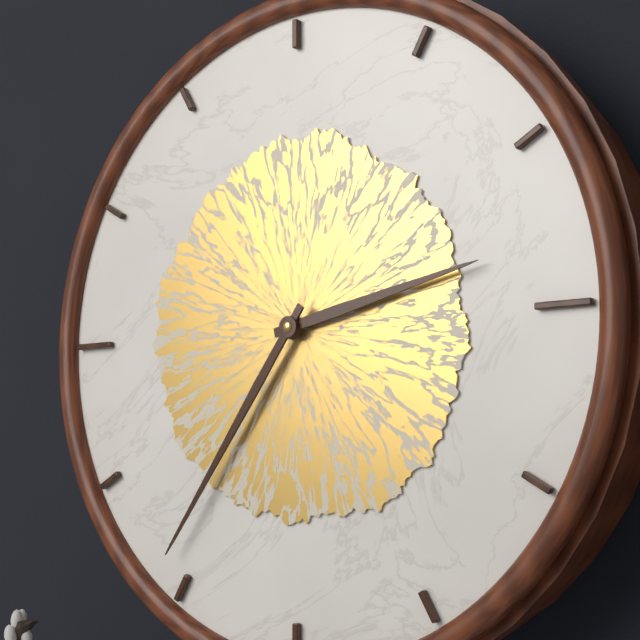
2:36
